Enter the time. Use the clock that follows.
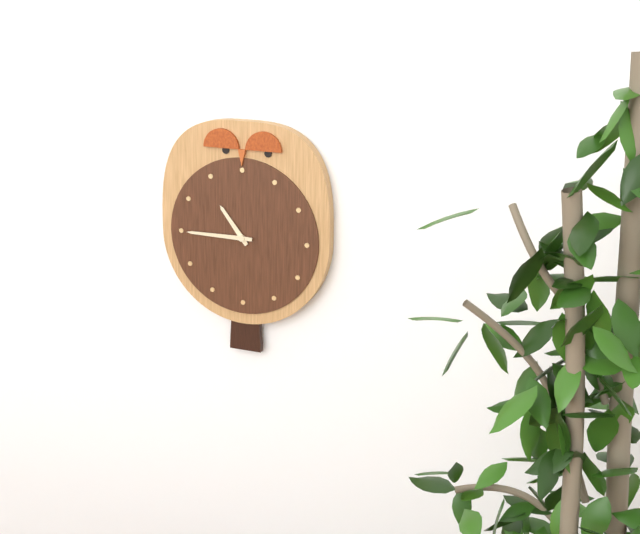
10:45
